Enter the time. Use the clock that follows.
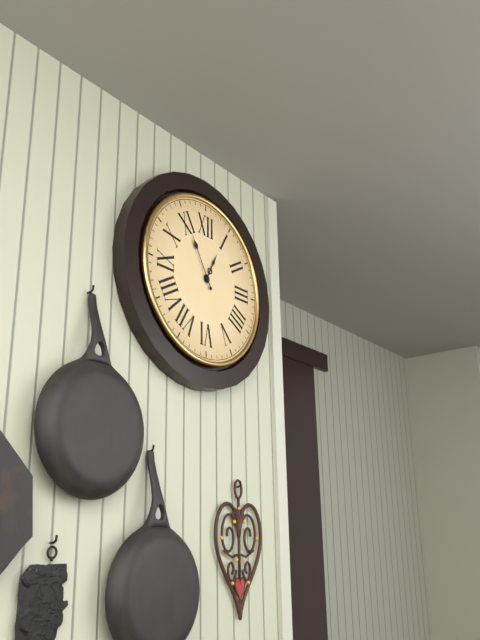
12:55
